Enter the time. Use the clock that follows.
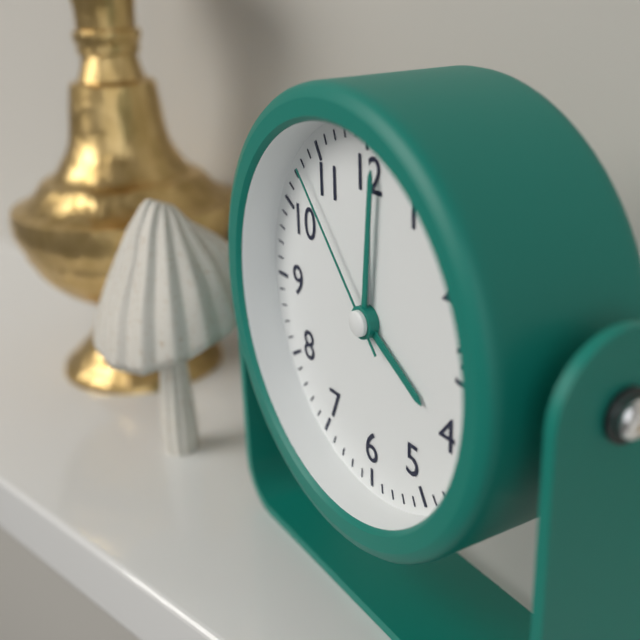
4:01:53
